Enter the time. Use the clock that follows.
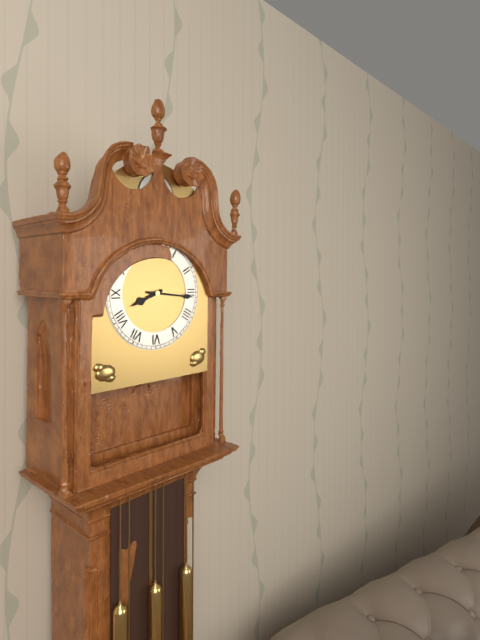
8:16
